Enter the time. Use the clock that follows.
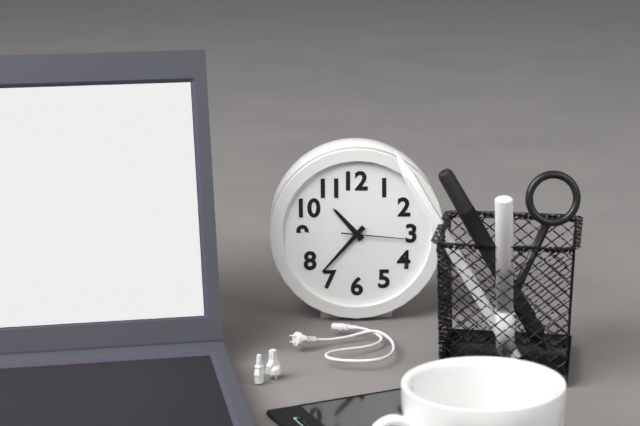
10:37:16
